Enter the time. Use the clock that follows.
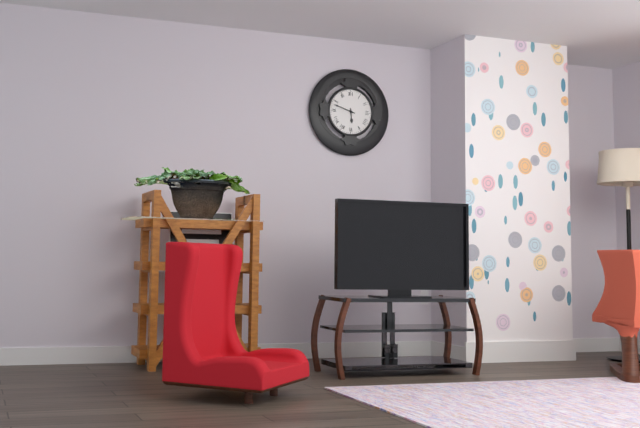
5:48
